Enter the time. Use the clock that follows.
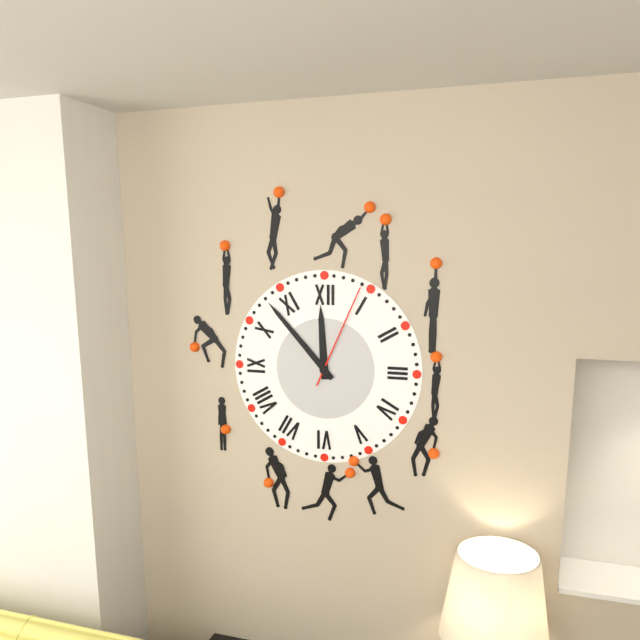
11:53:04
